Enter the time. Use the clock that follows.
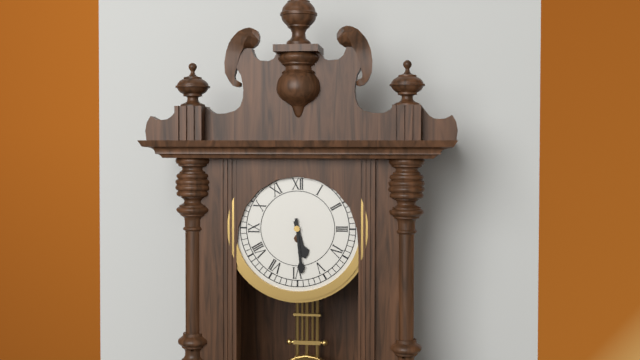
5:29
